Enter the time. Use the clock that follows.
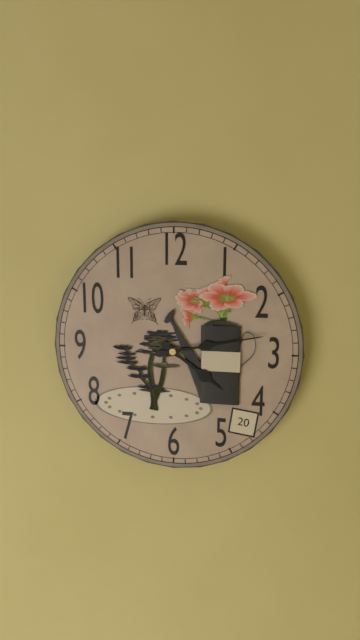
4:13
